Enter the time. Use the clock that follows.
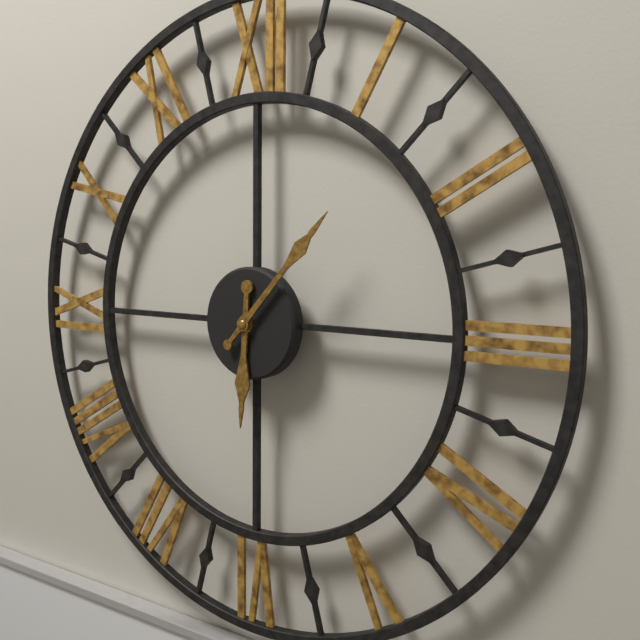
6:07
